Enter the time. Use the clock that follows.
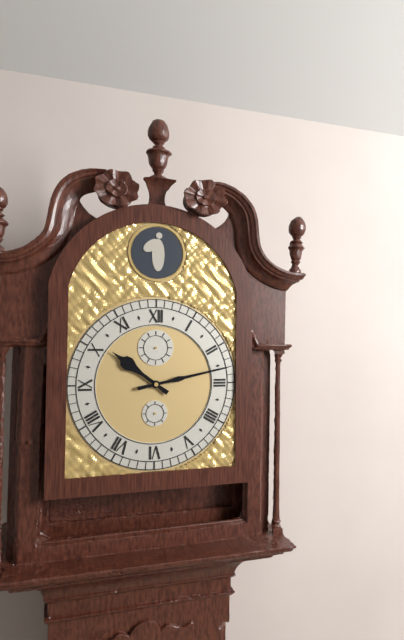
10:13
